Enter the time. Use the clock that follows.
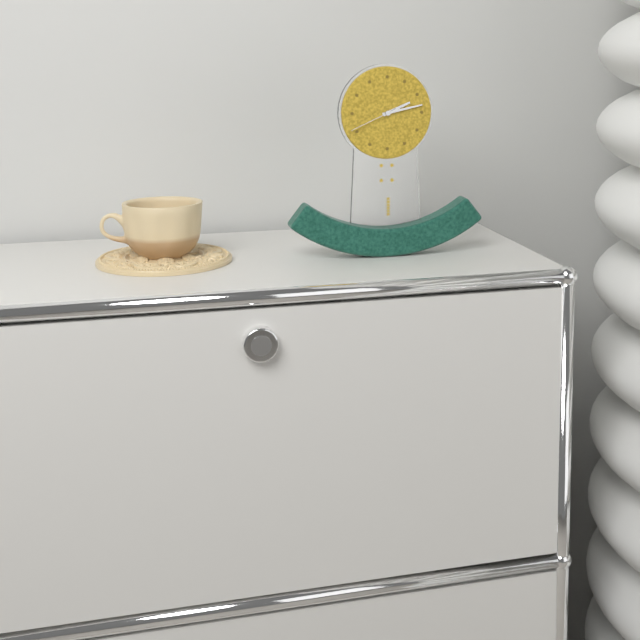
2:13:41
